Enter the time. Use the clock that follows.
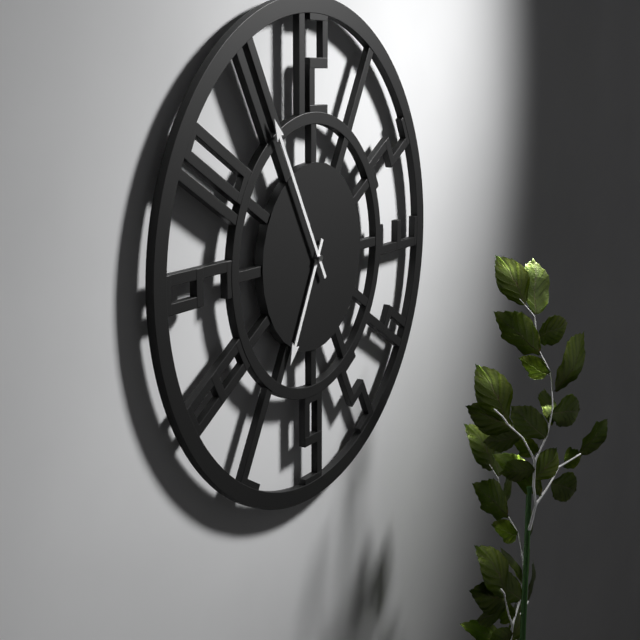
6:55
